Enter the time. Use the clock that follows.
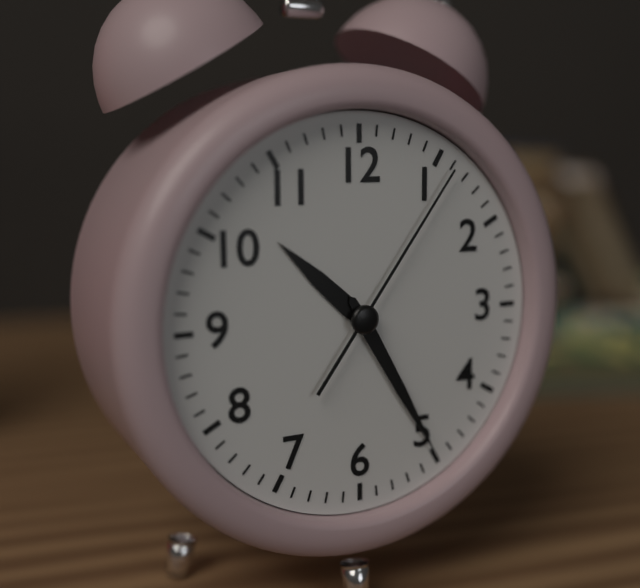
10:25:06
